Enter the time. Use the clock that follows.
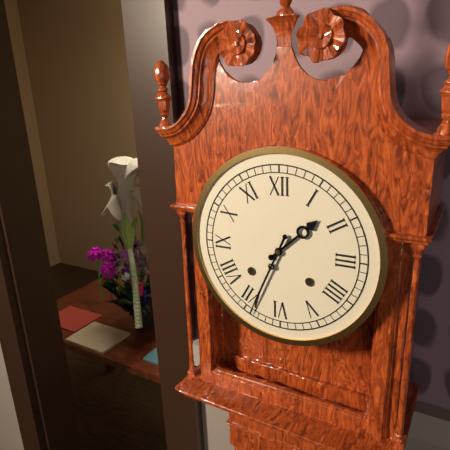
1:34
